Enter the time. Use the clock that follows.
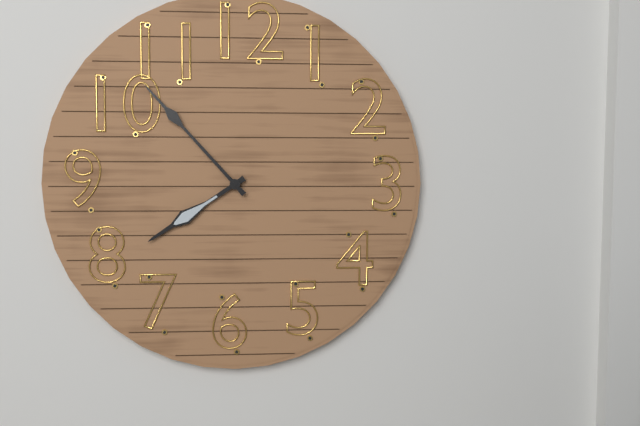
7:53
